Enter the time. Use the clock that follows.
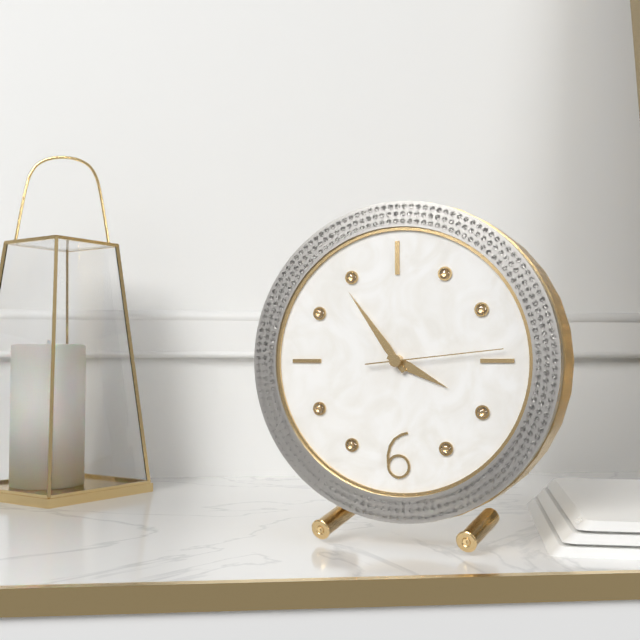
3:54:14
